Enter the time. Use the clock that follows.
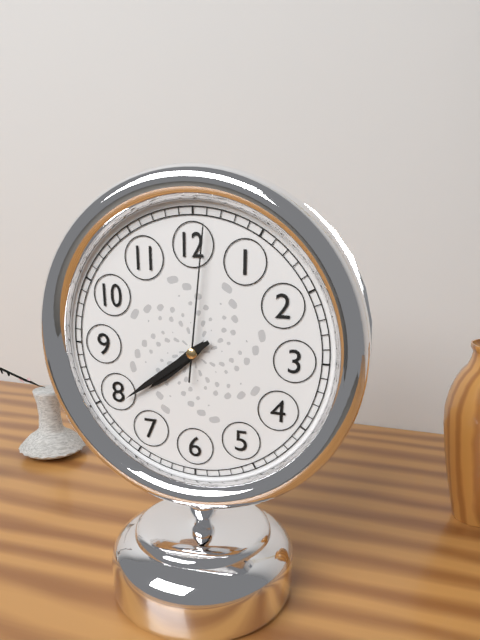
7:39:01
